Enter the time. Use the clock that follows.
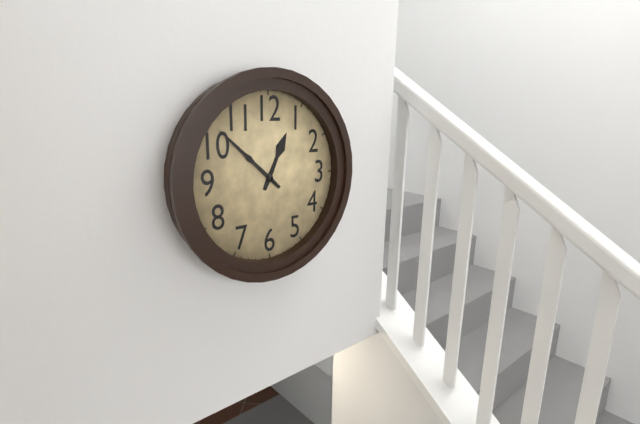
12:52
